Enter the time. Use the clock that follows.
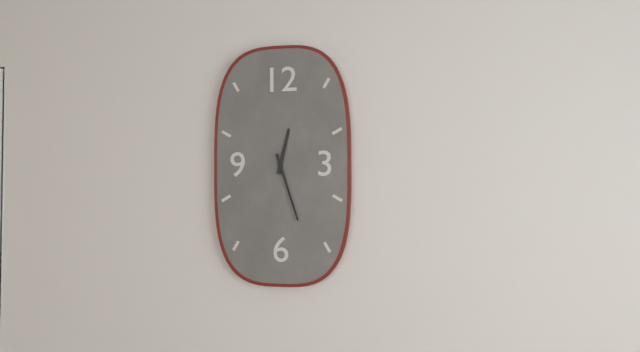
12:27
